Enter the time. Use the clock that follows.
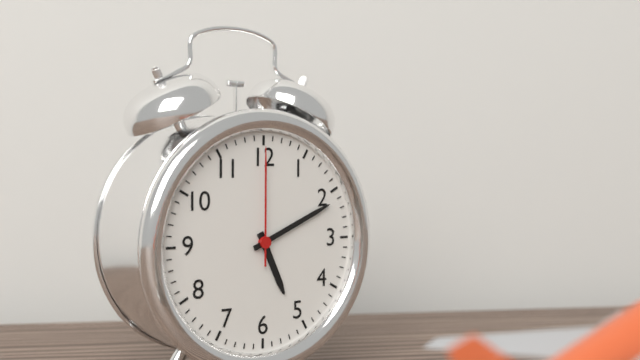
5:11:00
